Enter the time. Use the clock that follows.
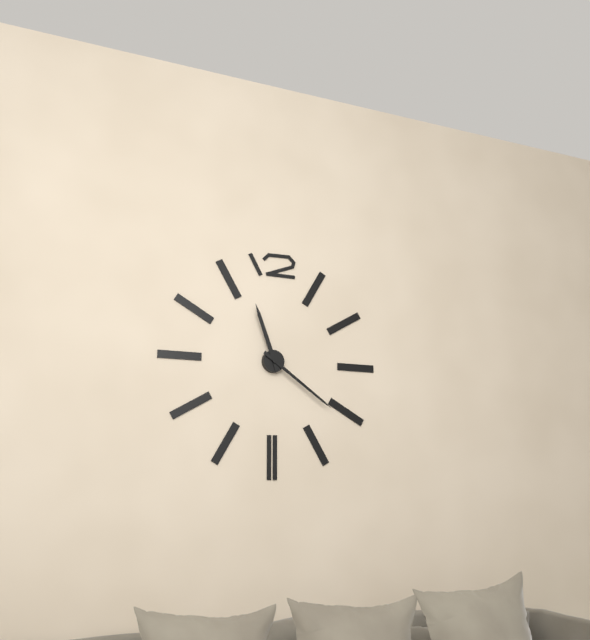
11:21
